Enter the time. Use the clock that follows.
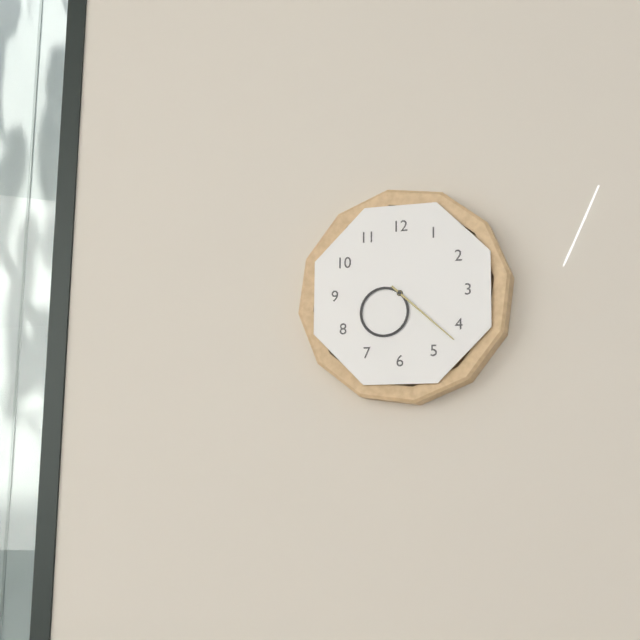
7:22
